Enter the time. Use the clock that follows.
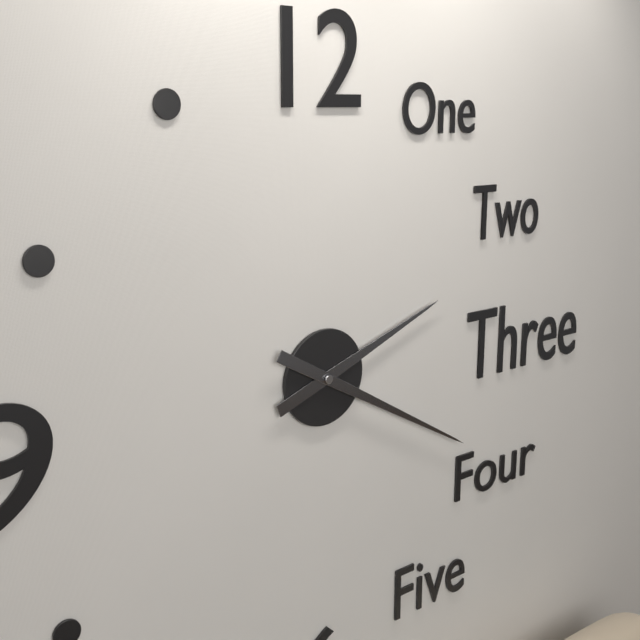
2:20
